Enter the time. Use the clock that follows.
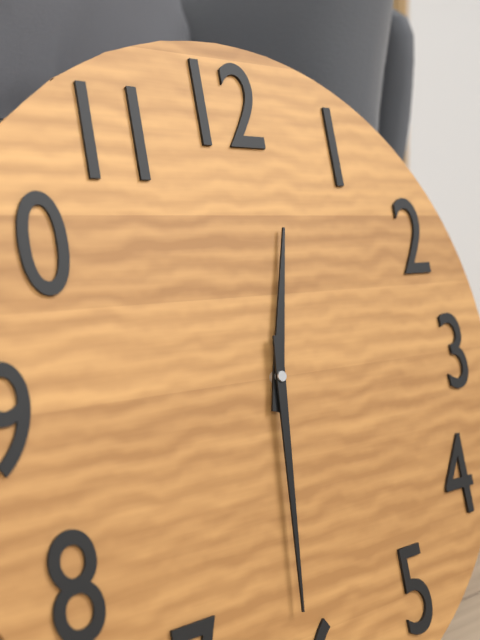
12:31
